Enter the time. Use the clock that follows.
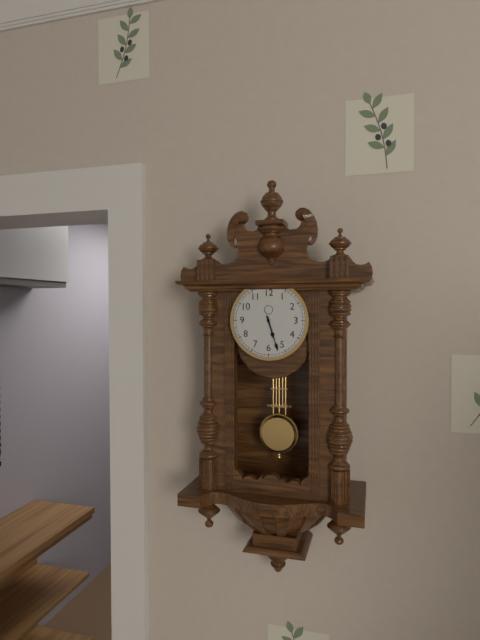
5:27
